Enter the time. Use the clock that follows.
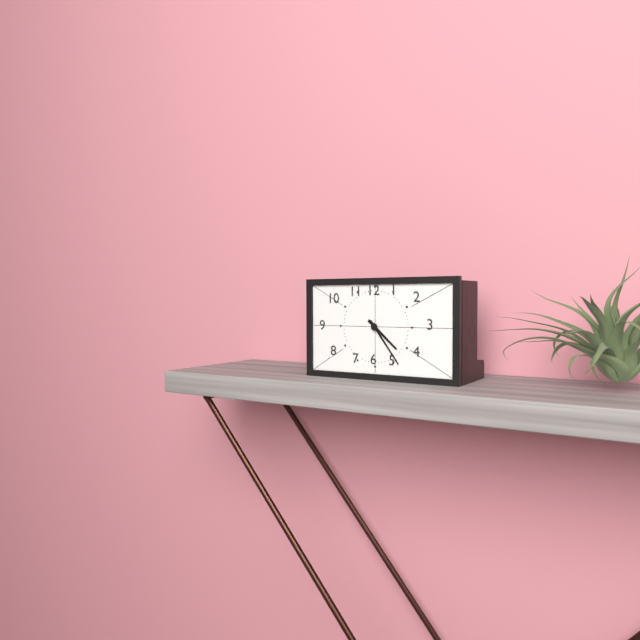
4:24
